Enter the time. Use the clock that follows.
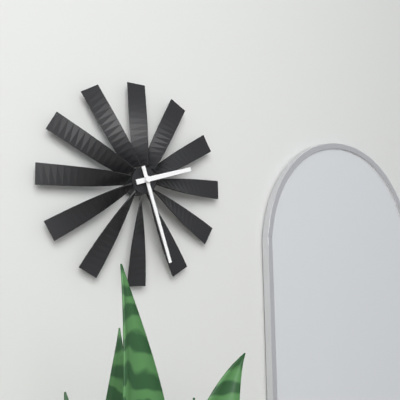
2:27
